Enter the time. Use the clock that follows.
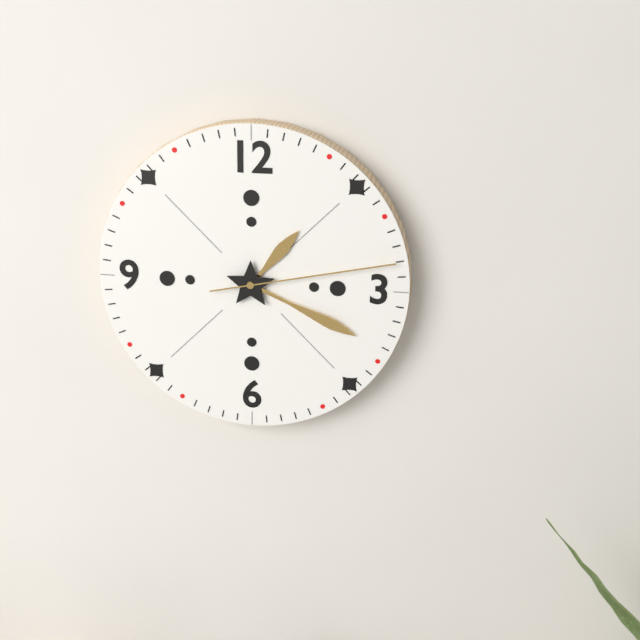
1:19:13
